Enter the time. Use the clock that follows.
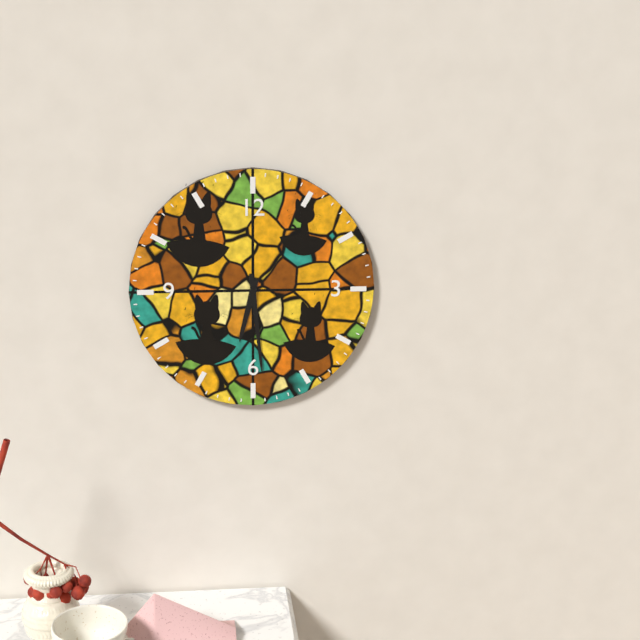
6:29
